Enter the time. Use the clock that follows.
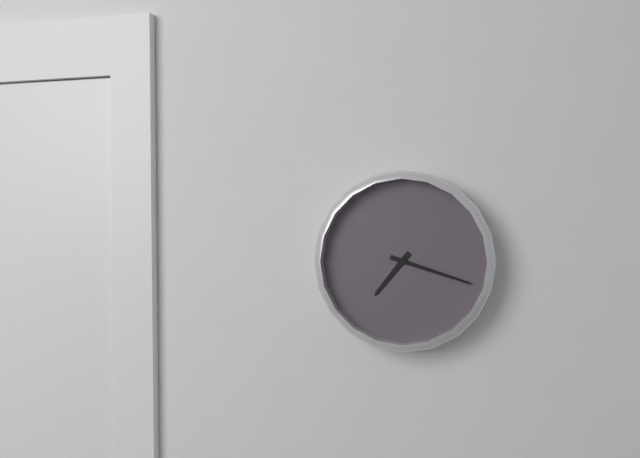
7:18
